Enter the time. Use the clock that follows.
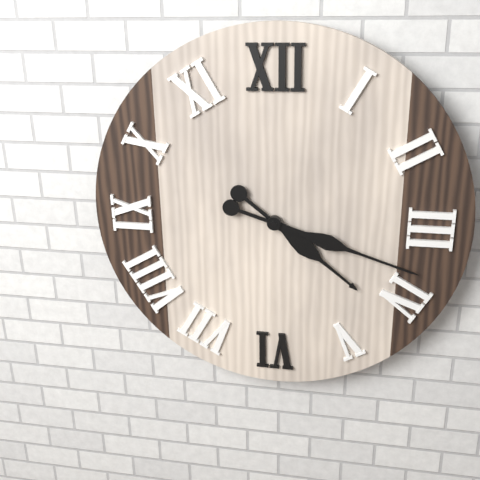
4:18
